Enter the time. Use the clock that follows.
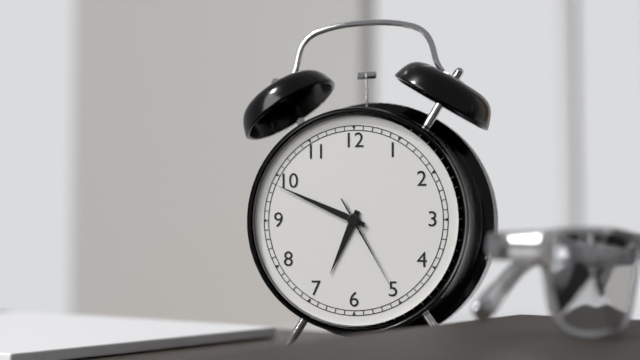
6:49:25
